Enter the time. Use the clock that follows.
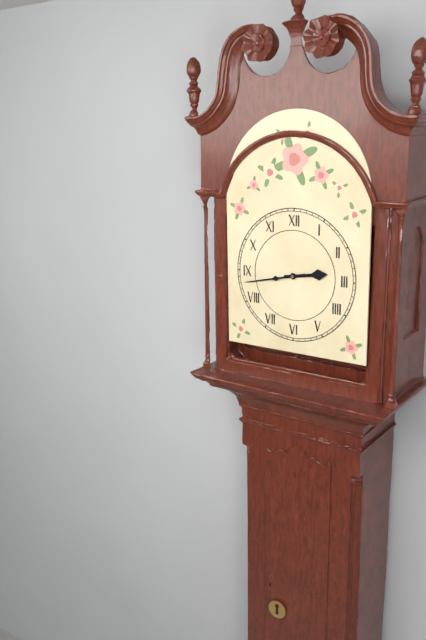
2:43
